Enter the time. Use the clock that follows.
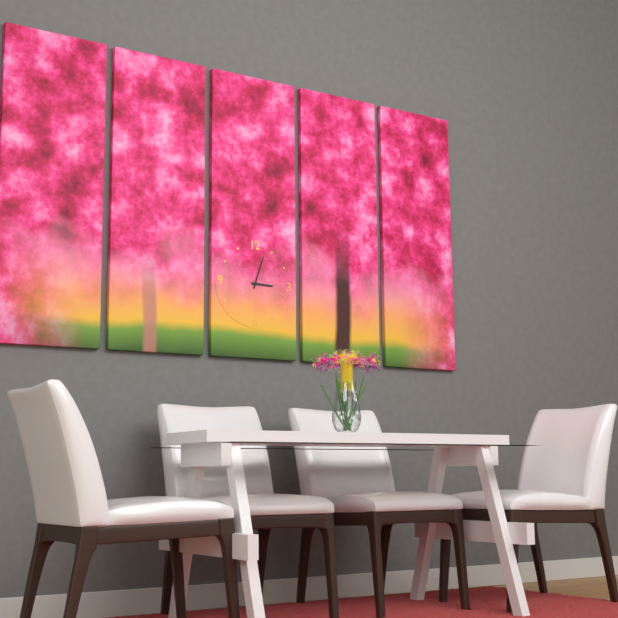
3:03
